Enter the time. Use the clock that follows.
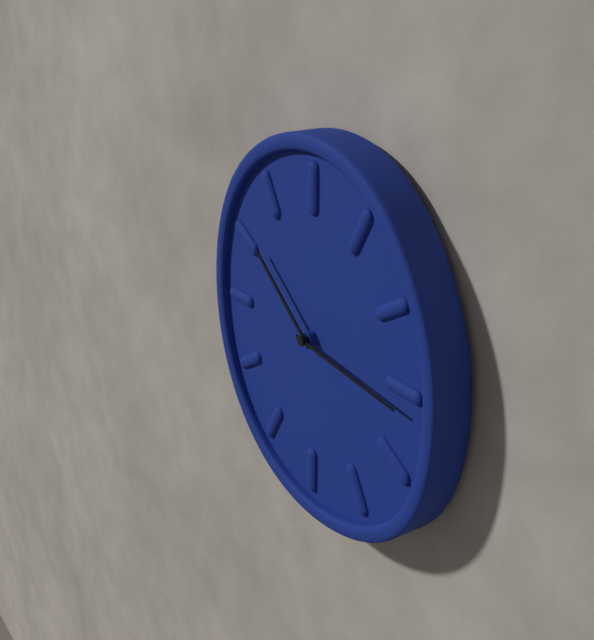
10:16
